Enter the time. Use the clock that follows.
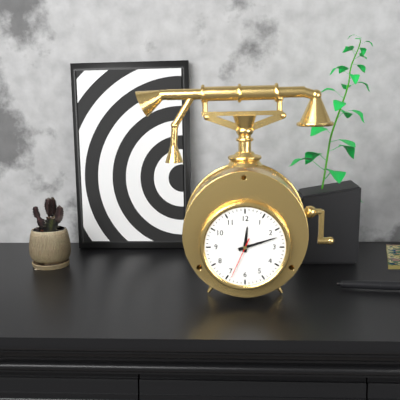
12:12
